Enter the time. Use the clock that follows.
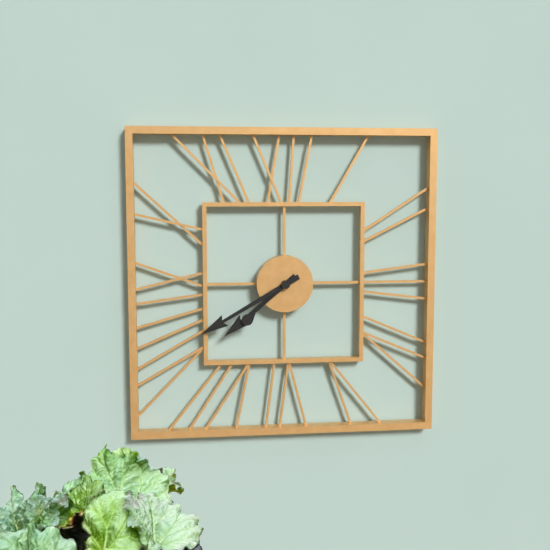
7:40:38
